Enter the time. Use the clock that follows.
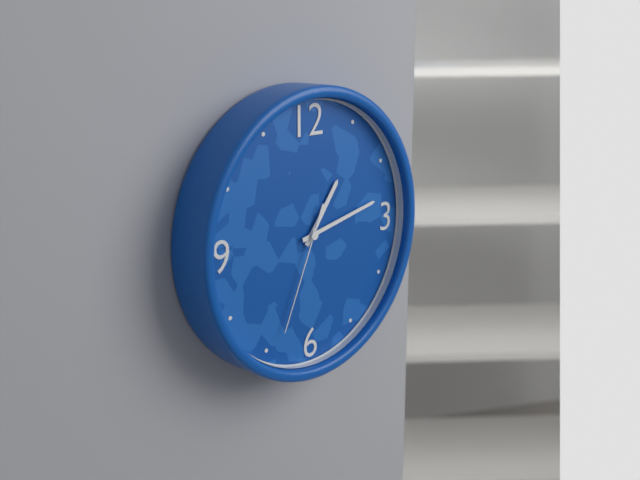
1:13:34
